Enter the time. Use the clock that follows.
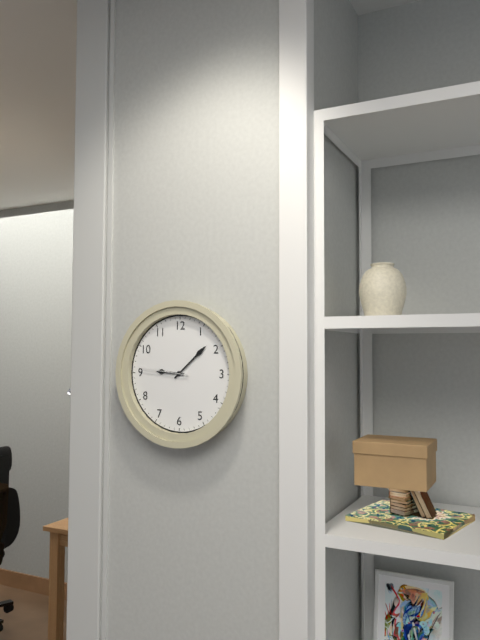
9:08:46
